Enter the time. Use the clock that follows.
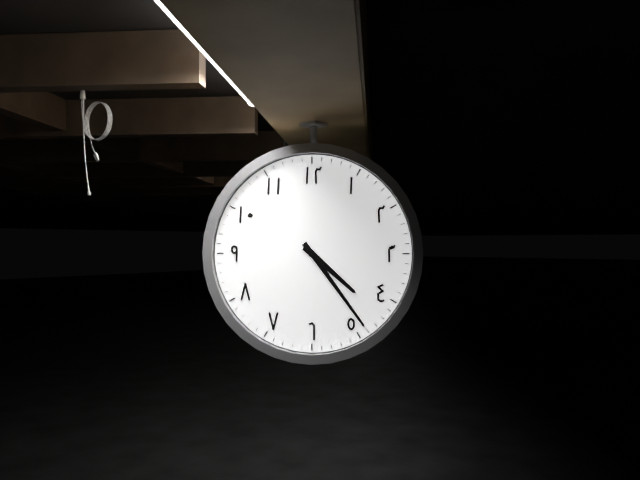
4:24
